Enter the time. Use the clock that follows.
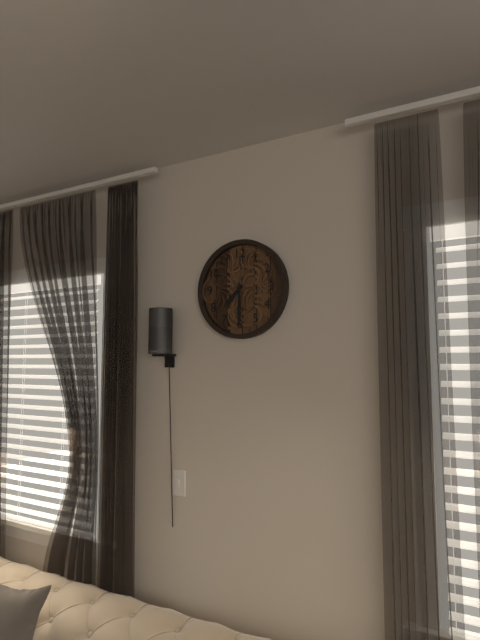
7:30
